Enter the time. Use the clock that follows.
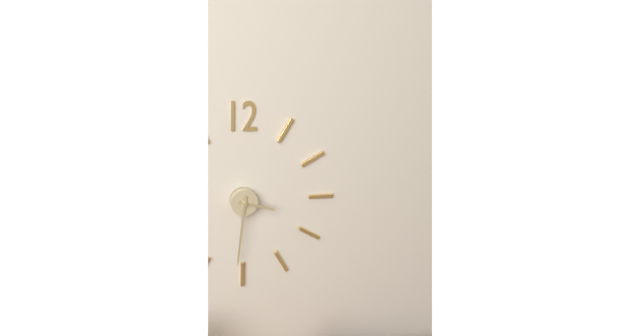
3:31
